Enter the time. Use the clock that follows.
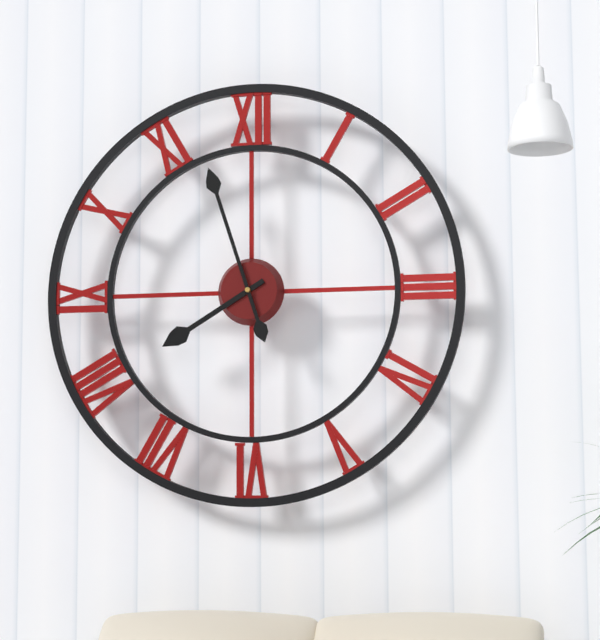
7:57
